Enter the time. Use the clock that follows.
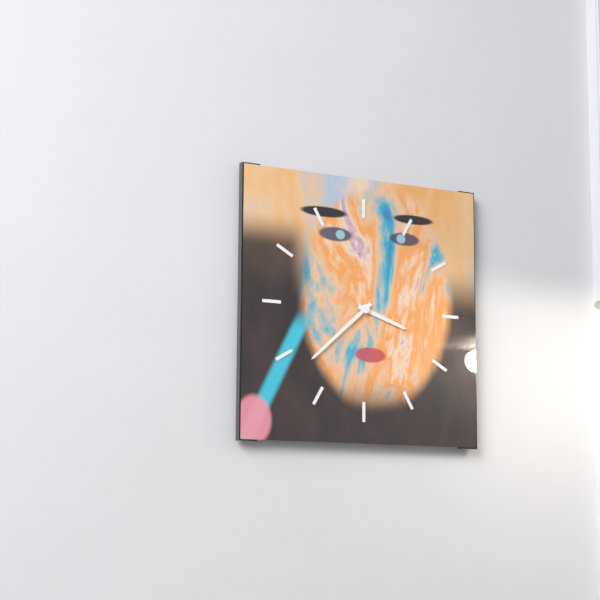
3:38
